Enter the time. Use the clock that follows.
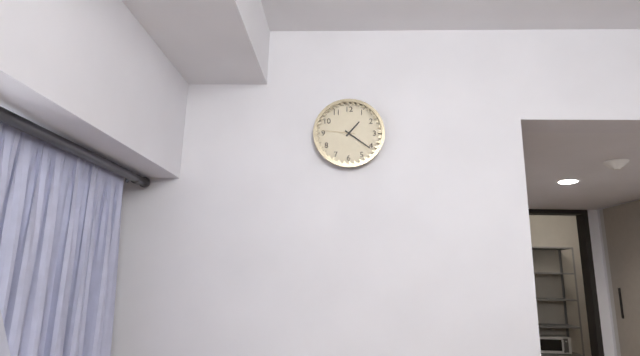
1:21
